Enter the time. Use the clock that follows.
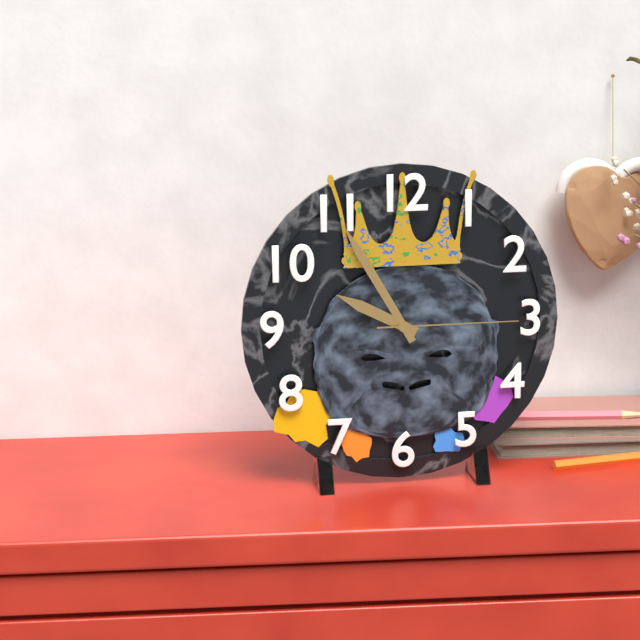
9:55:15
